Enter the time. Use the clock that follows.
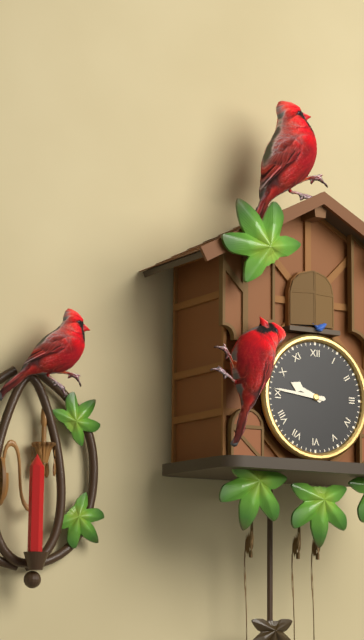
9:46
